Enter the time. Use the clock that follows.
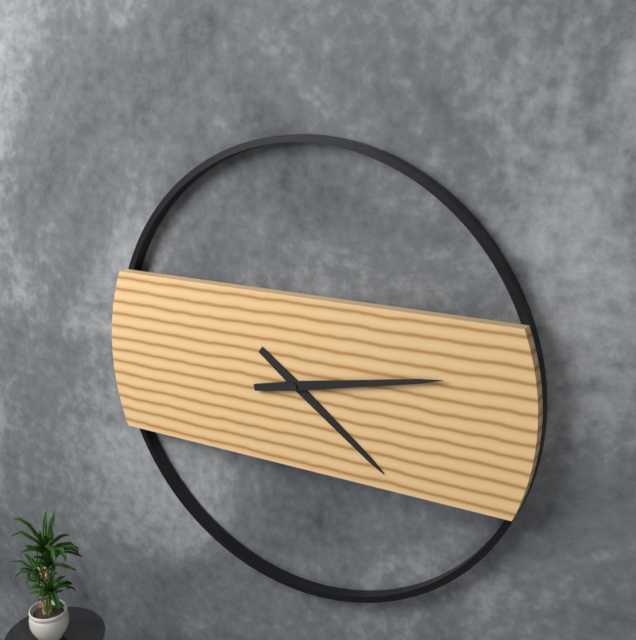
4:13
